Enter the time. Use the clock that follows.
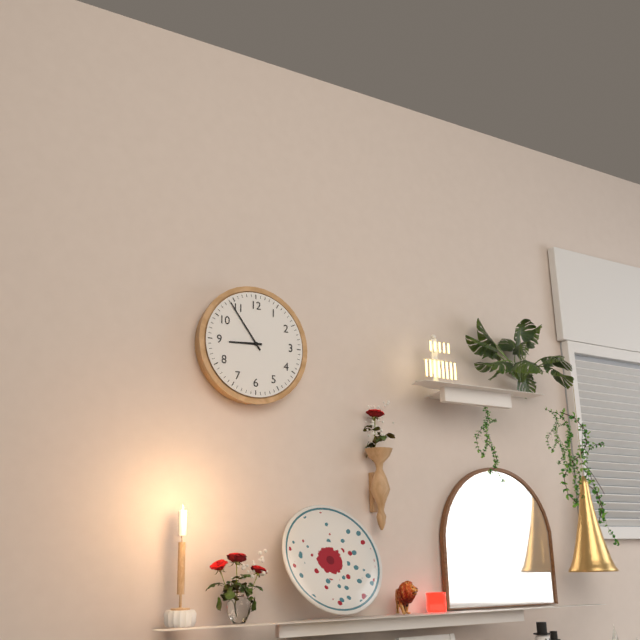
8:54
